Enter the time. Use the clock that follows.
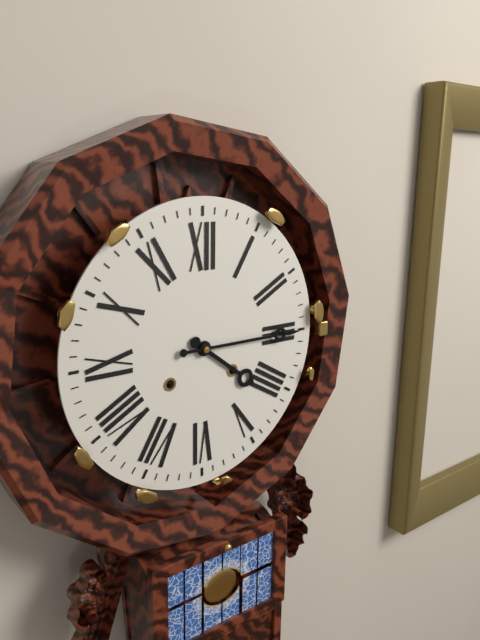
4:15
